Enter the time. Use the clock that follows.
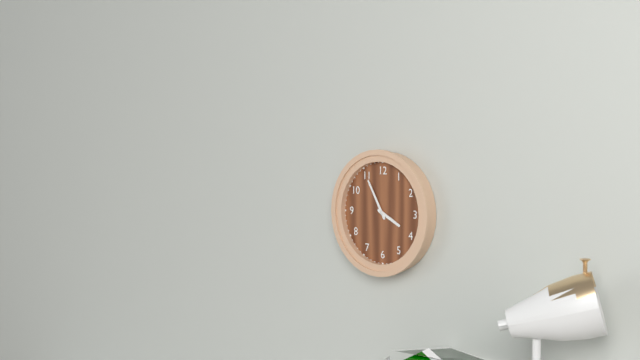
3:55
